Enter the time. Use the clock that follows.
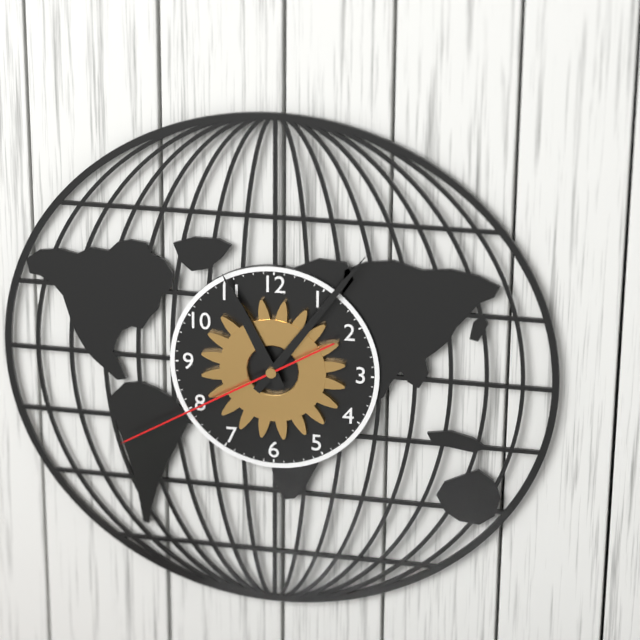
11:06:40
